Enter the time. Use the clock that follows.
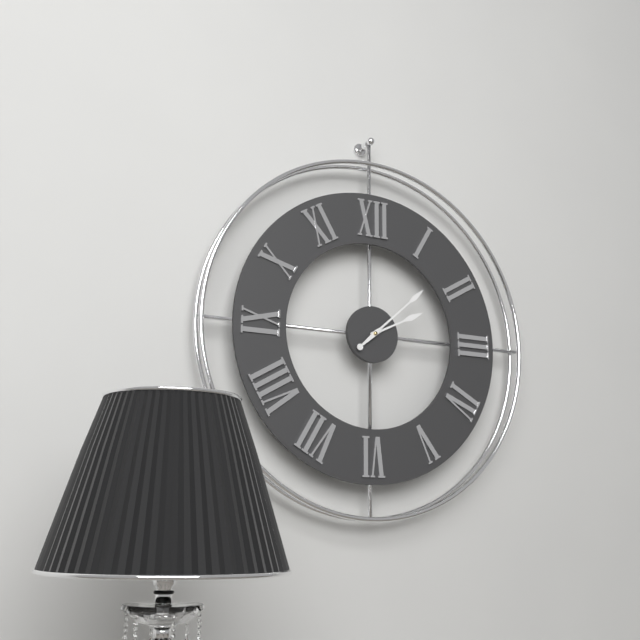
2:08
